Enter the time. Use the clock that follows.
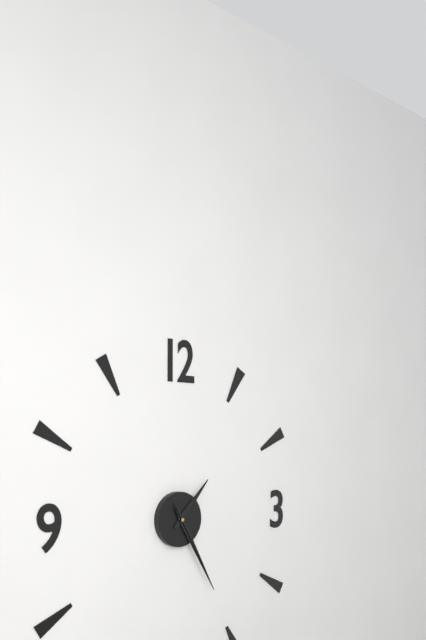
1:25:25
